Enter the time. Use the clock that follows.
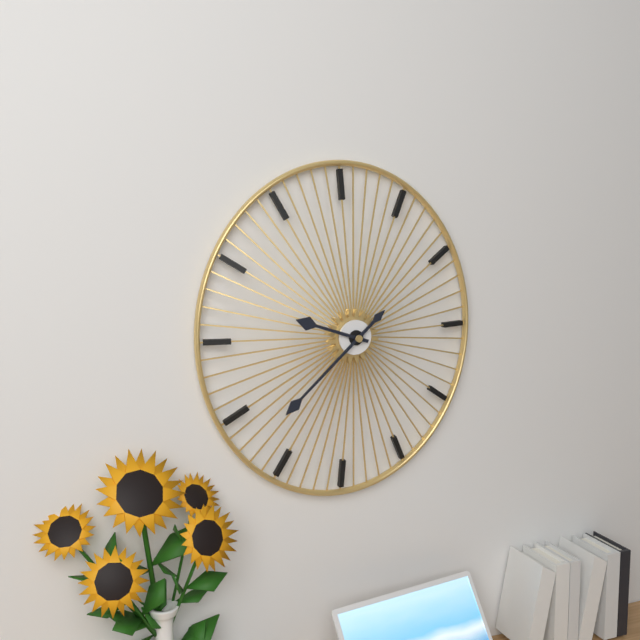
9:38
